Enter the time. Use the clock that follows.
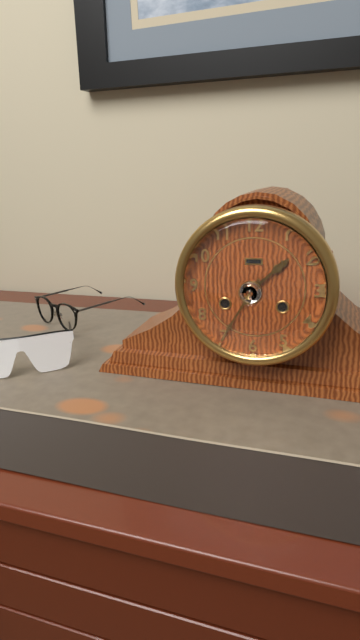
1:35
